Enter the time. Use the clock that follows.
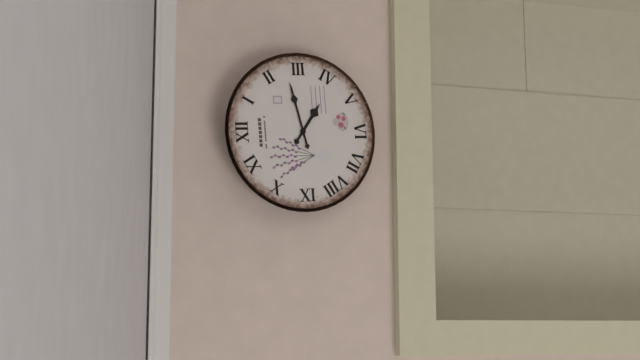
4:13
